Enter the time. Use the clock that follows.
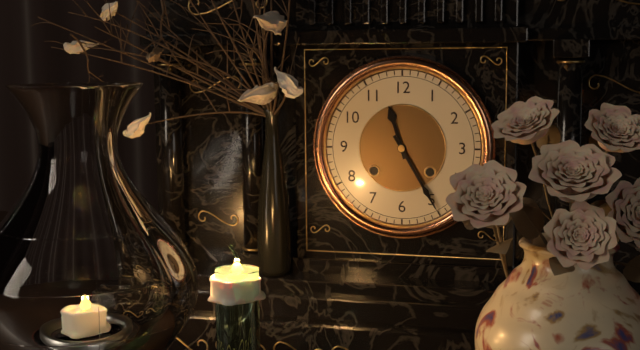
11:25
